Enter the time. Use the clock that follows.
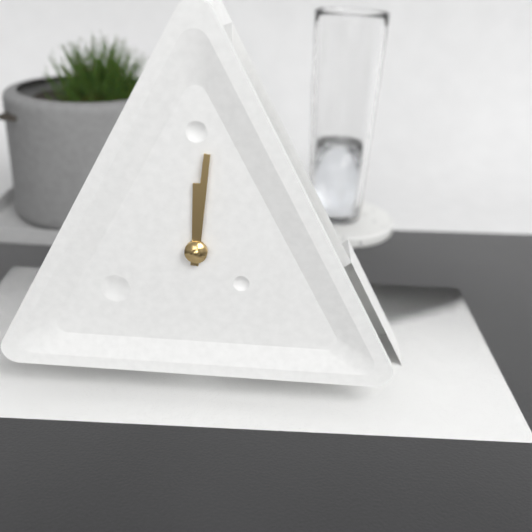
12:01
